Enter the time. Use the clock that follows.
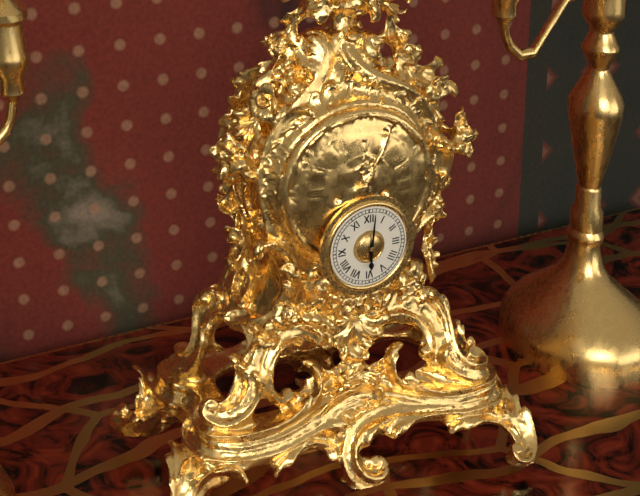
6:01
